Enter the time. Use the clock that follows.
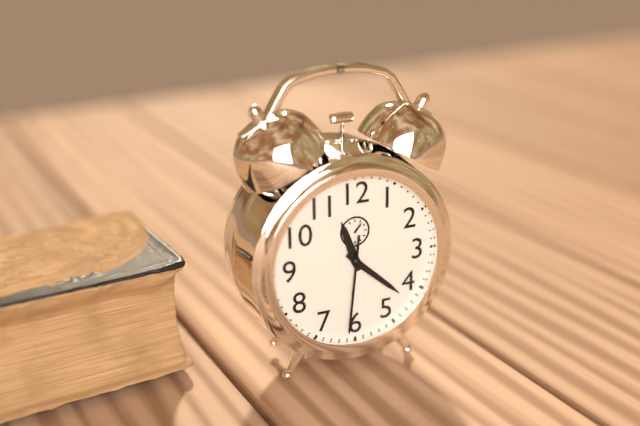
11:22:31
